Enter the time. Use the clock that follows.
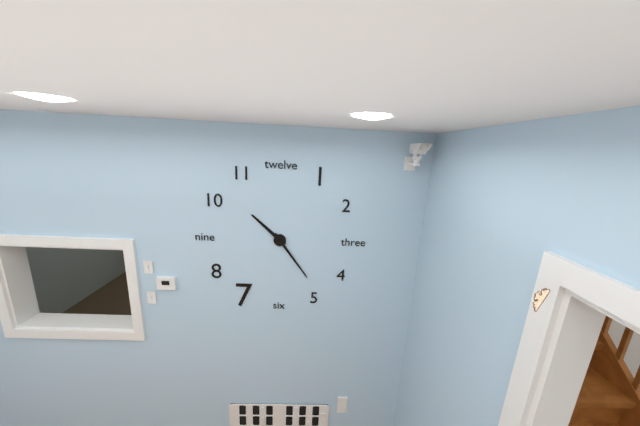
10:24
